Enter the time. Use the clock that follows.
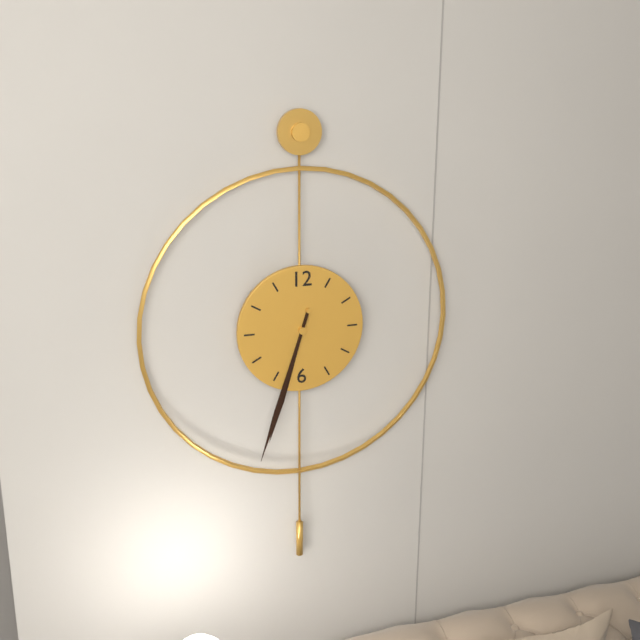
6:33
